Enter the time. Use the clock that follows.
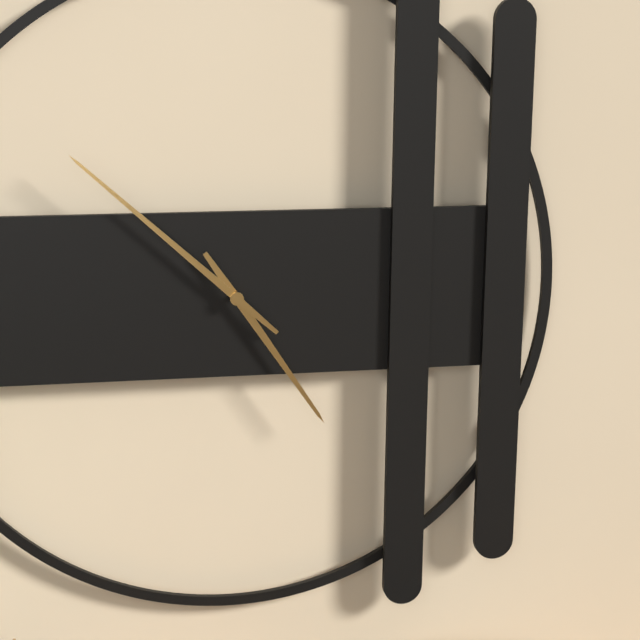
4:52
